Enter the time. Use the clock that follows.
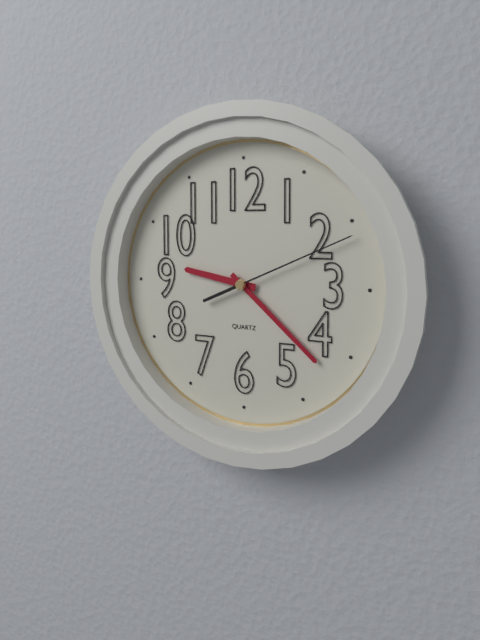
9:22:11
